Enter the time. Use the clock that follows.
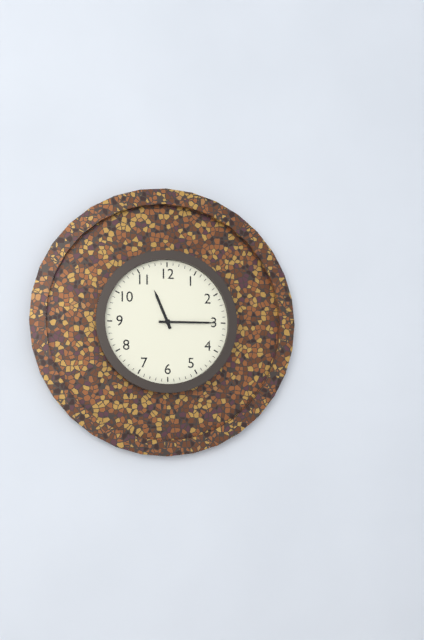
11:15
